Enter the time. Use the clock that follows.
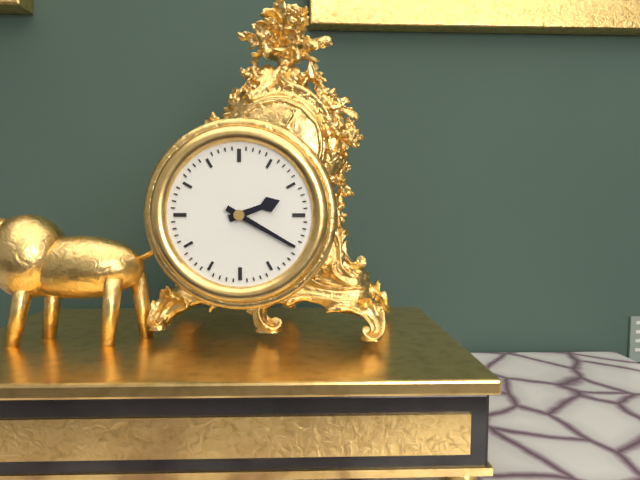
2:20
